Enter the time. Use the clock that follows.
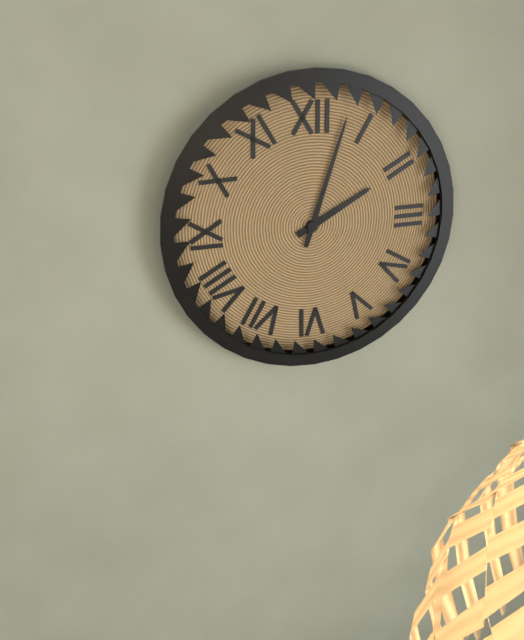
2:03
